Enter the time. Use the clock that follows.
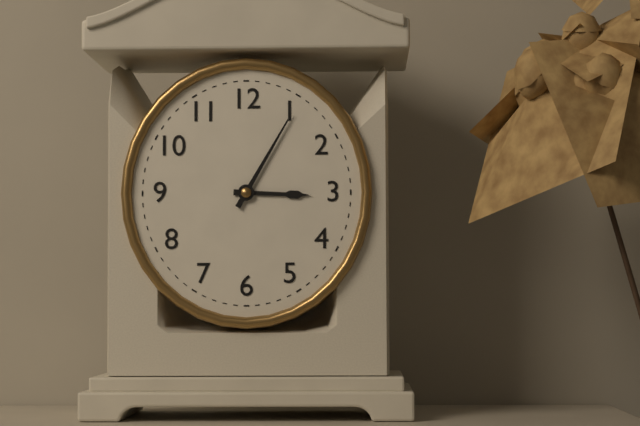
3:05
